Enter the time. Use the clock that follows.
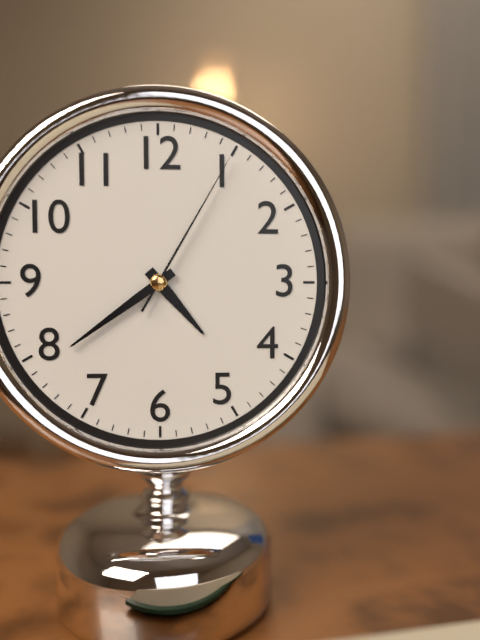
4:39:05
